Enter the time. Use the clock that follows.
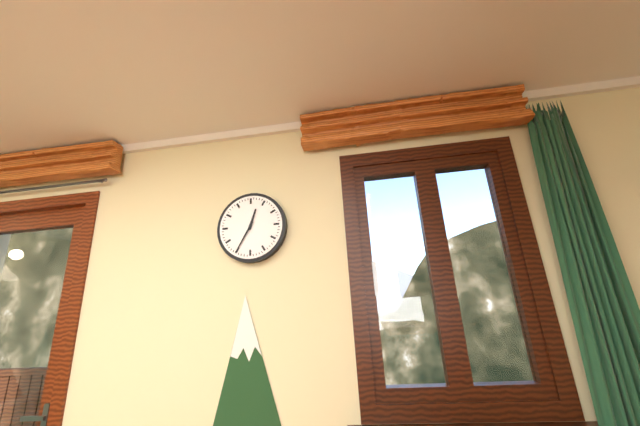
12:35
